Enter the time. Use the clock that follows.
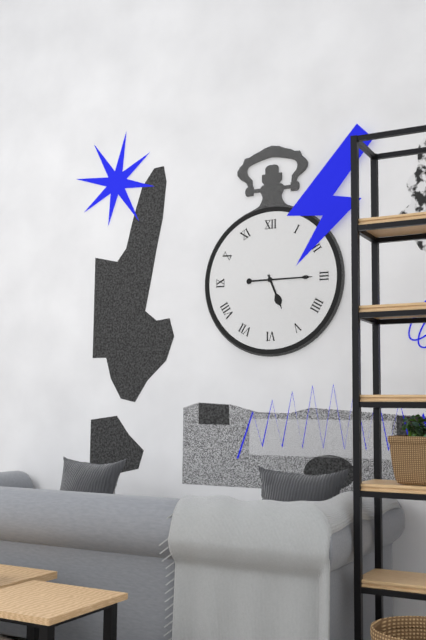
5:15
